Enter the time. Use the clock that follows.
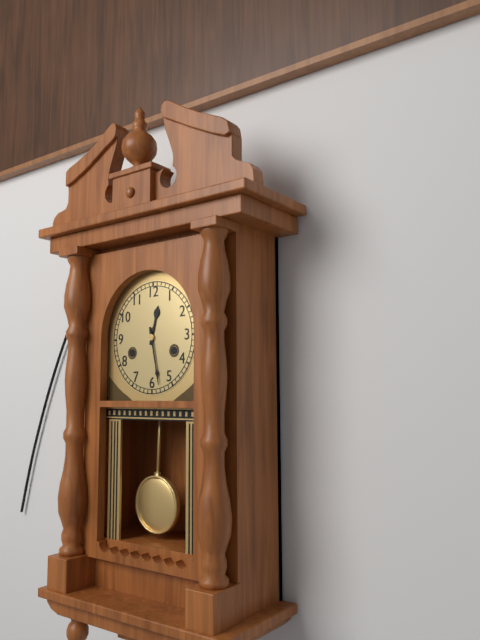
12:28
